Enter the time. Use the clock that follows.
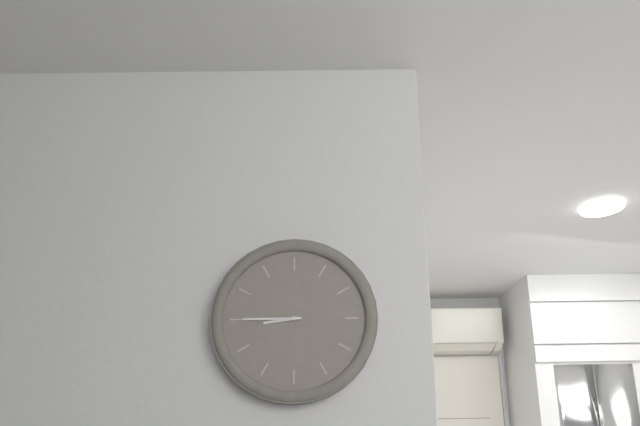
8:45
